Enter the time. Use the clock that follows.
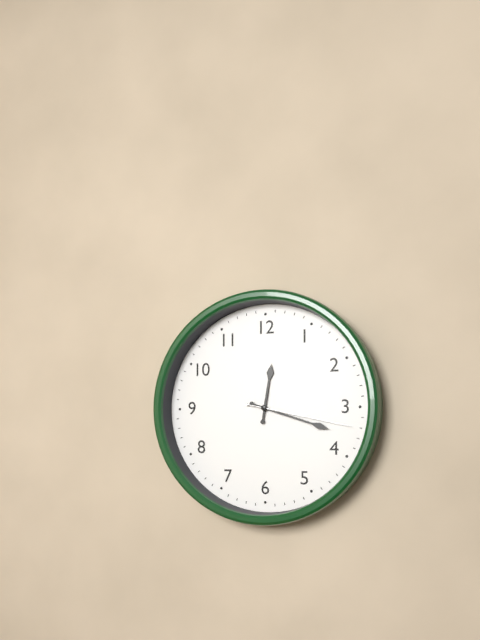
12:18:17
